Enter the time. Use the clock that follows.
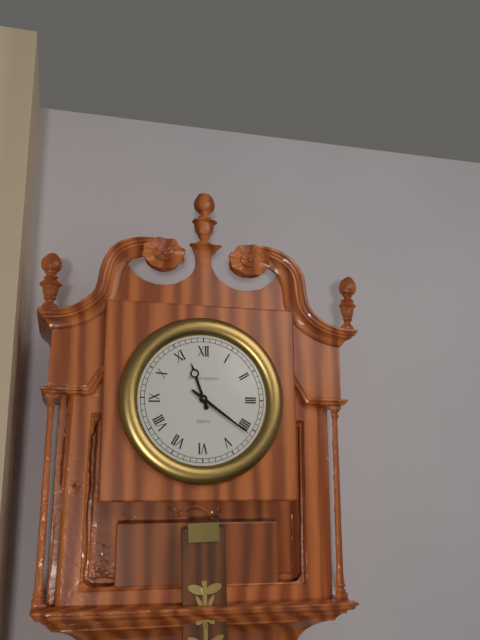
11:21
